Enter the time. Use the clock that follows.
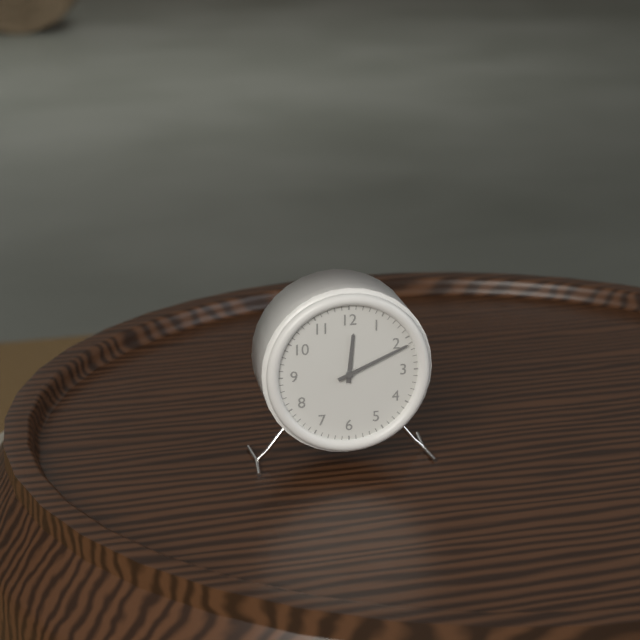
12:11
